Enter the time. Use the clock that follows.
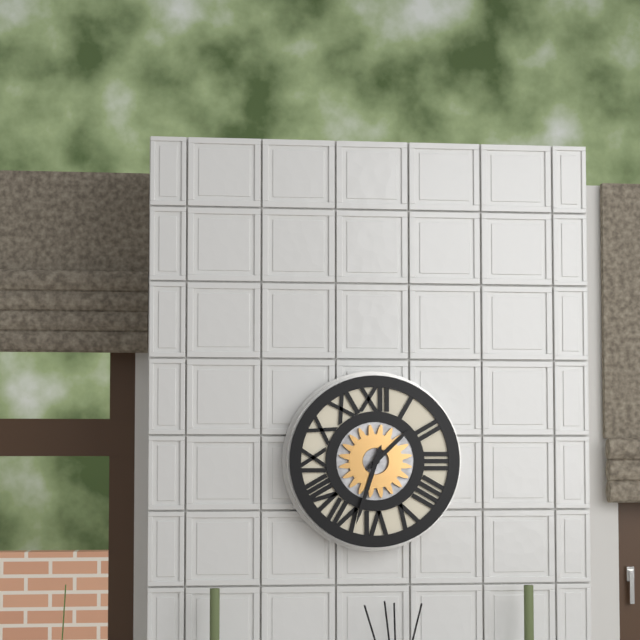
1:33
